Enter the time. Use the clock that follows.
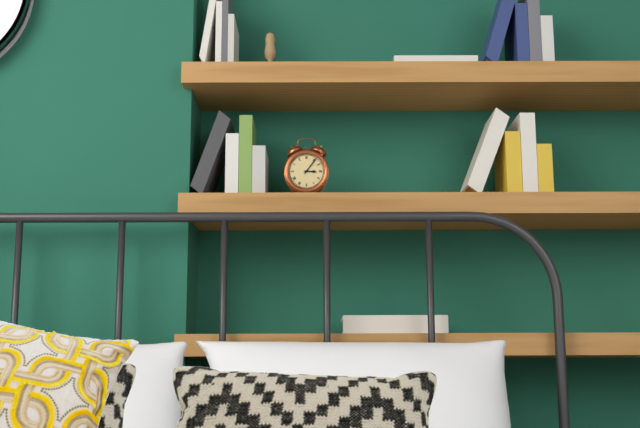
3:06
